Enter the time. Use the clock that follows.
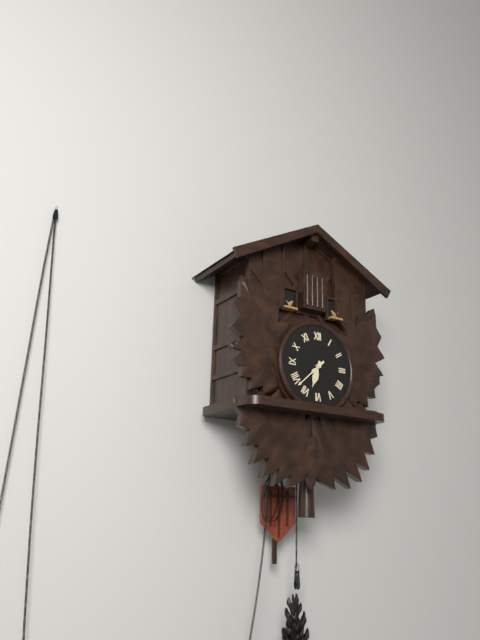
6:38
